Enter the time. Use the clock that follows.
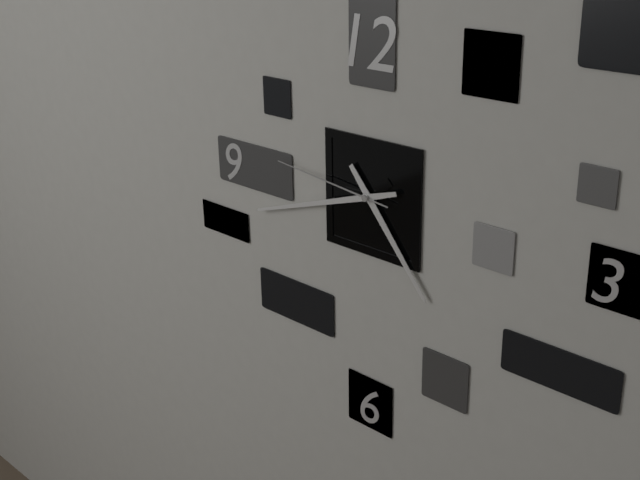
4:42:46
